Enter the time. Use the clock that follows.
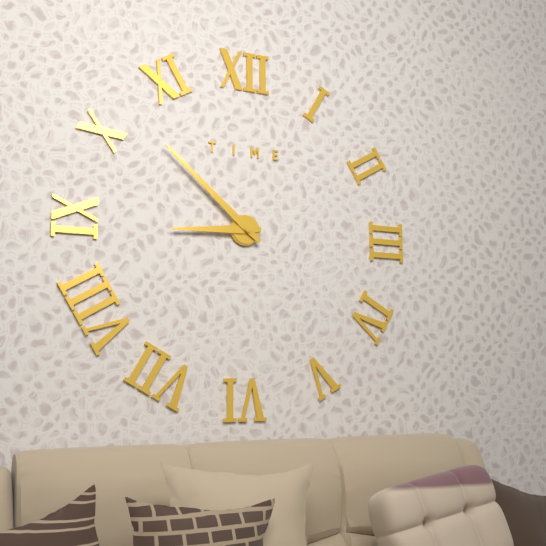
8:52
